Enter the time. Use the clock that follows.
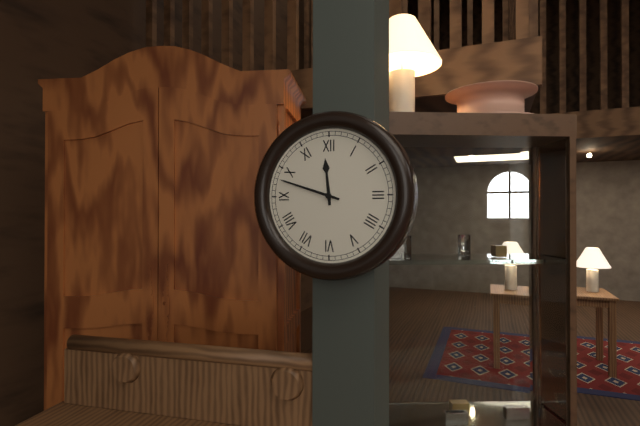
11:48
